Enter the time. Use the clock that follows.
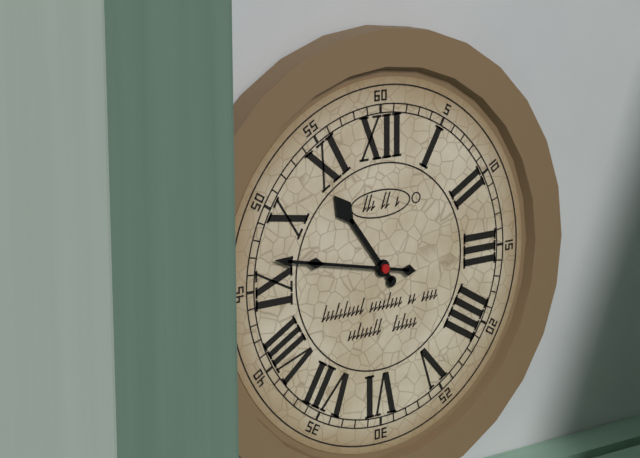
10:47
